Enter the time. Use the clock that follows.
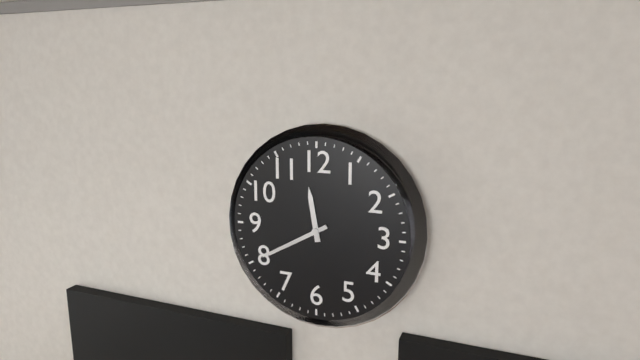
11:40
